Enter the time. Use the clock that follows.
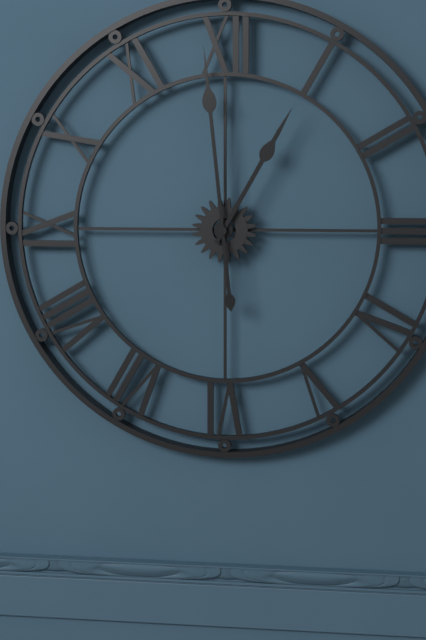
12:59
